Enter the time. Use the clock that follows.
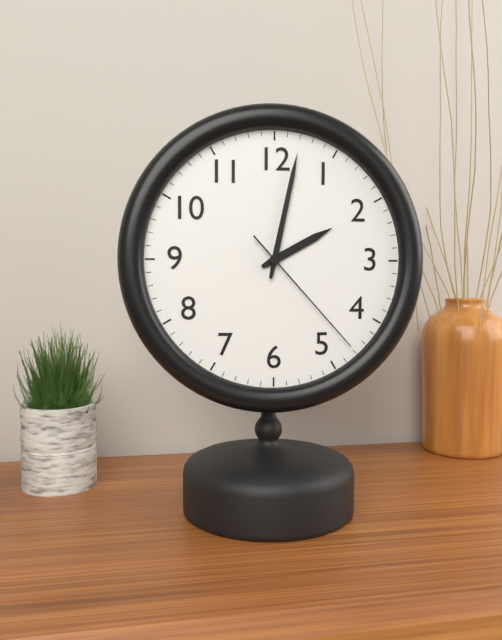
2:02:23
